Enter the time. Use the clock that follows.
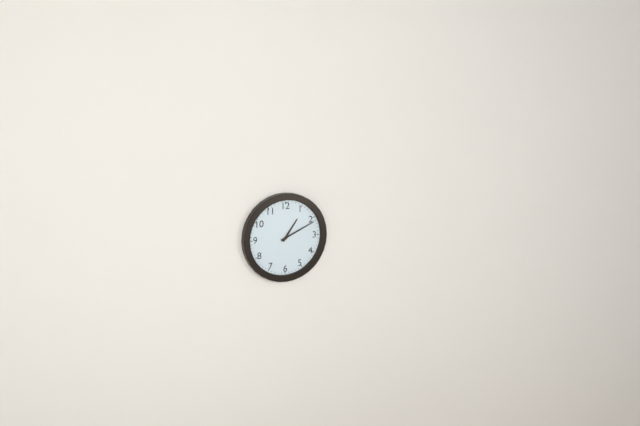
1:11
